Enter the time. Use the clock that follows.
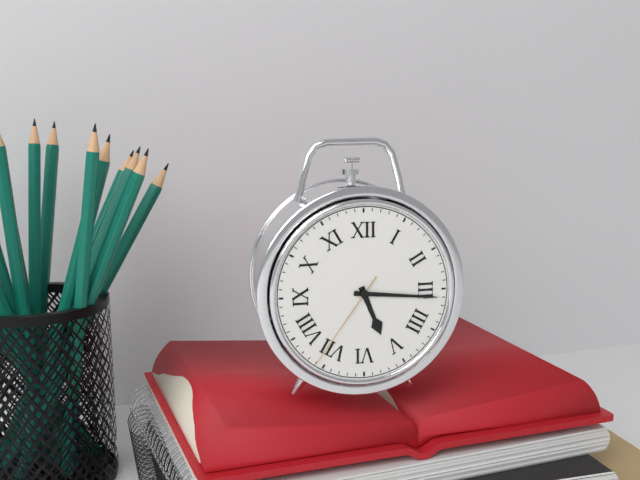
5:16:36
